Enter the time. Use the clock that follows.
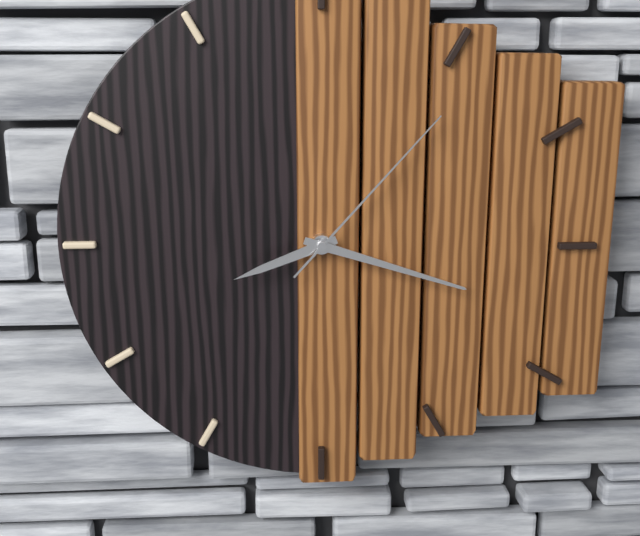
8:18:07
